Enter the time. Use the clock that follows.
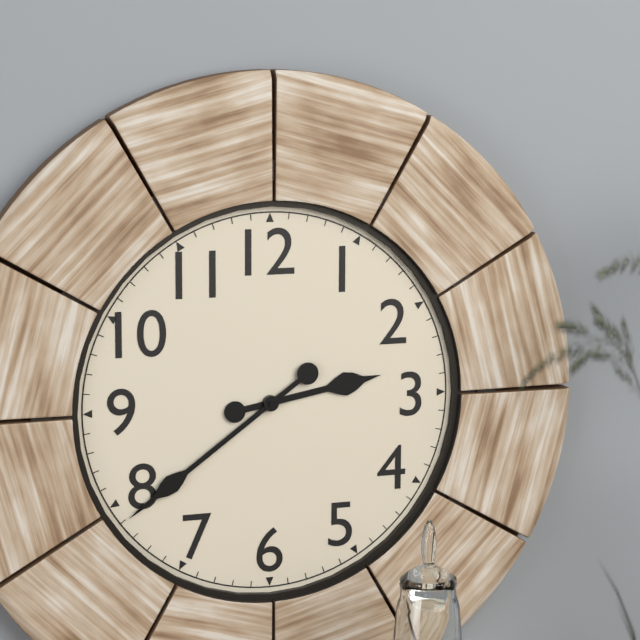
2:39
